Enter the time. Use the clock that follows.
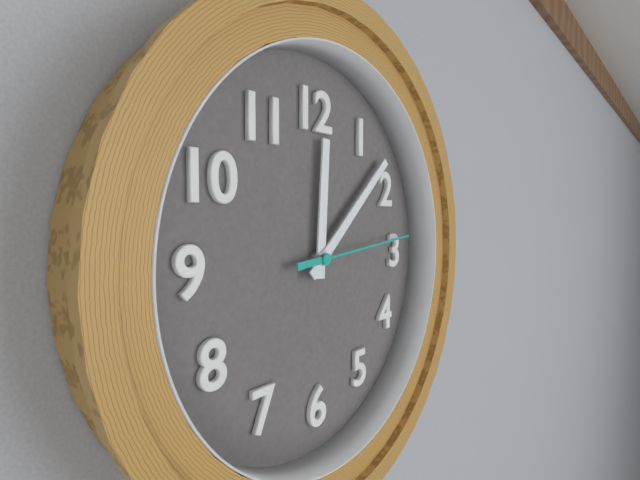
12:08:14
